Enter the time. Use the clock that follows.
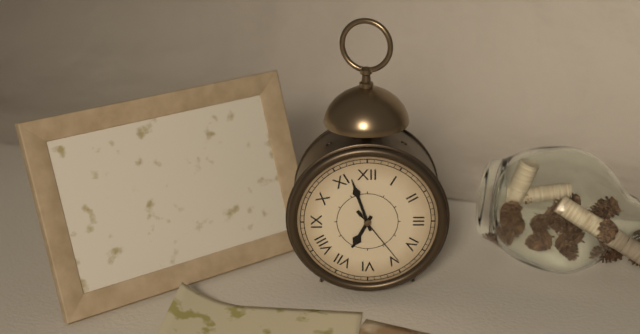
6:57:24
